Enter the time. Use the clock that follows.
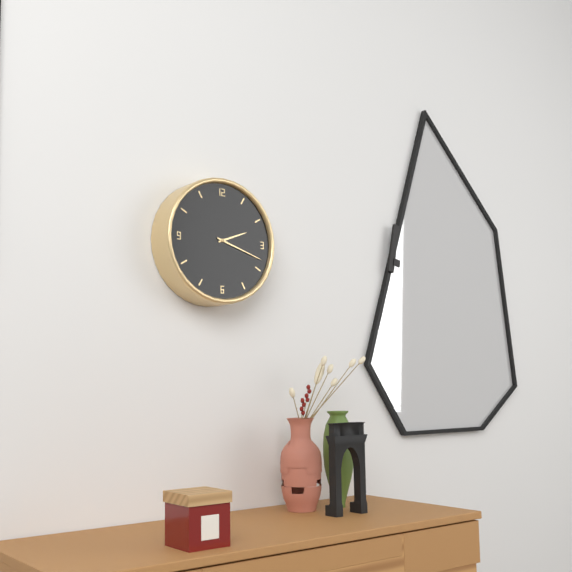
2:18
